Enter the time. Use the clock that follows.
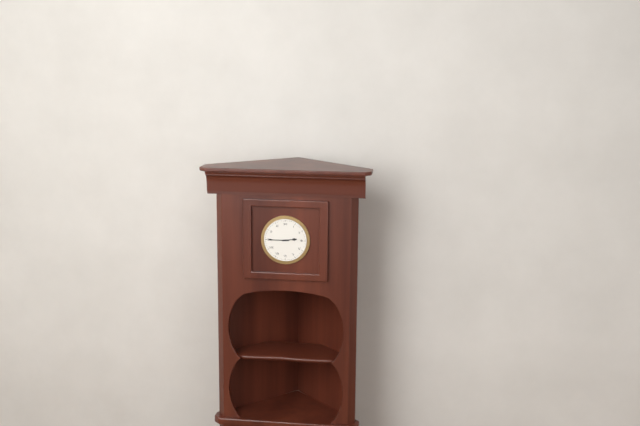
2:45
